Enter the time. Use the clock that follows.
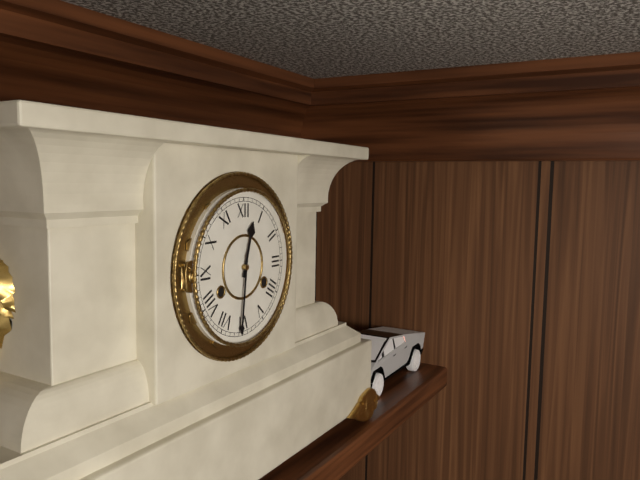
12:31
